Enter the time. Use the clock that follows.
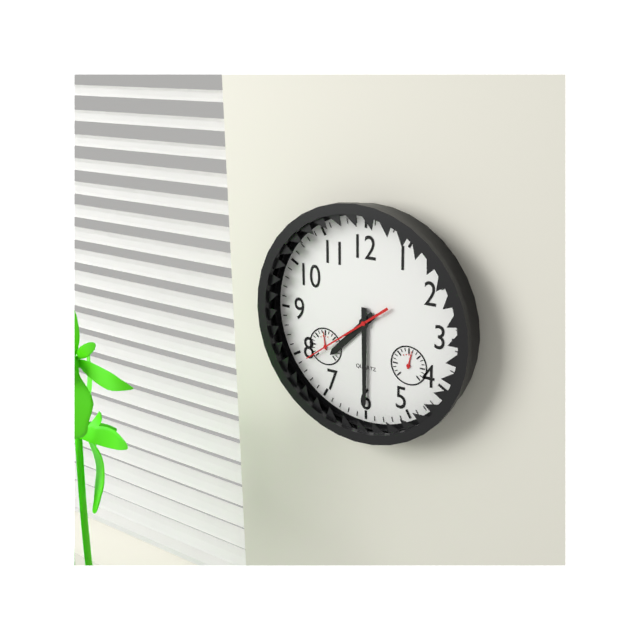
7:30:39
